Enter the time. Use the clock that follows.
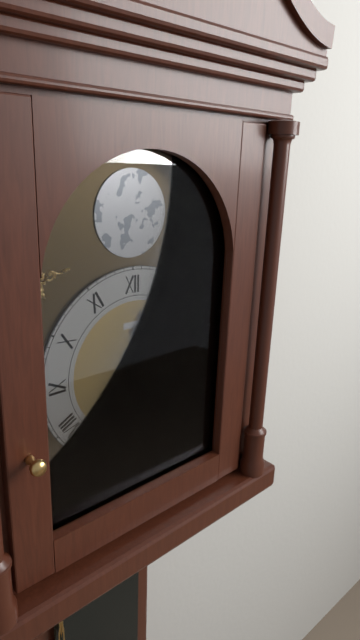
12:27
